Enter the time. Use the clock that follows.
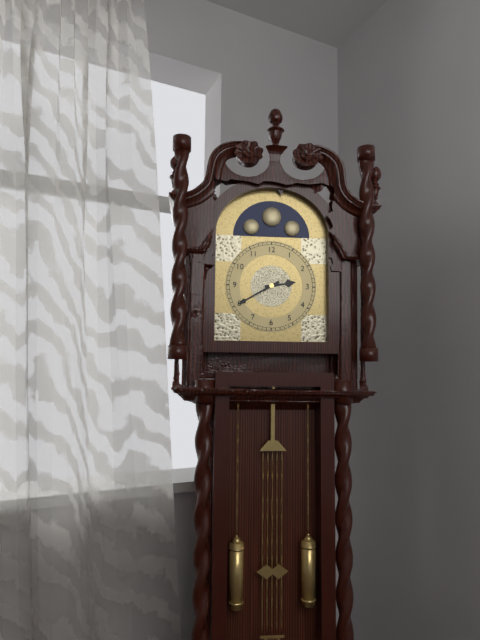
2:40
